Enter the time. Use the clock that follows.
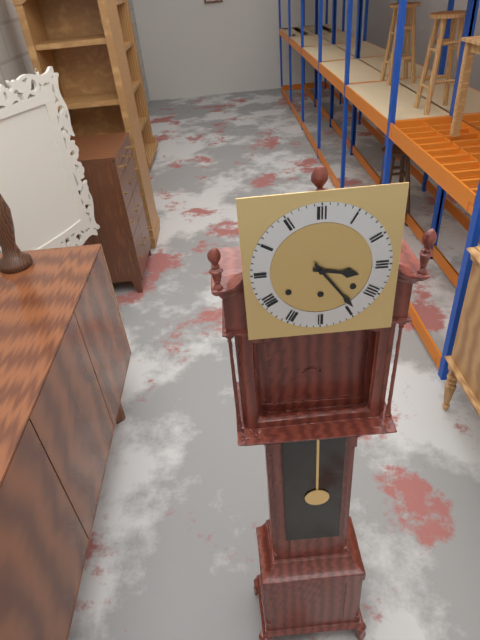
3:24
